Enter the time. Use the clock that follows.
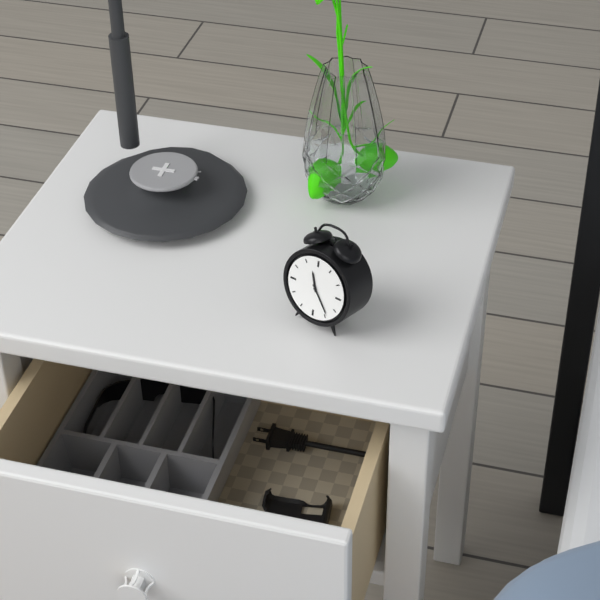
11:24
